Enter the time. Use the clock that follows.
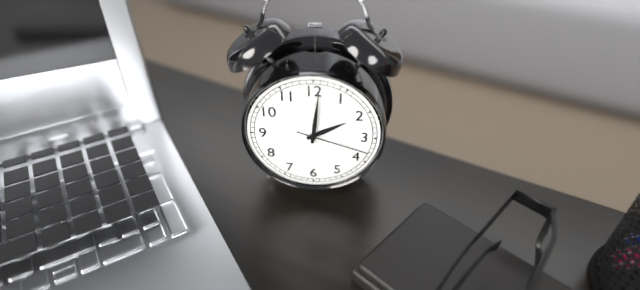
2:01:18
